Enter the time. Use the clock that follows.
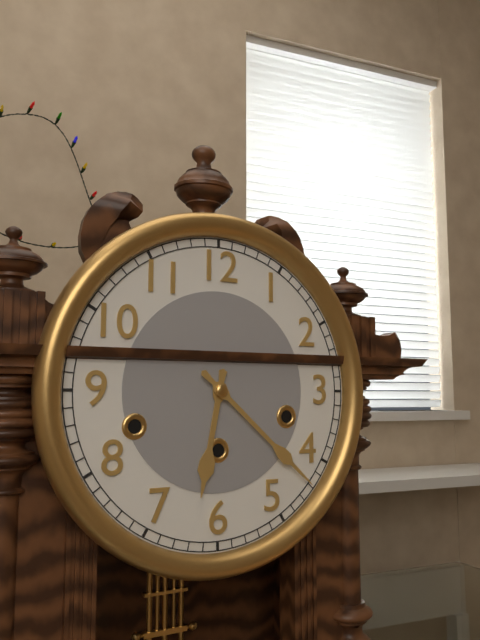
6:22
